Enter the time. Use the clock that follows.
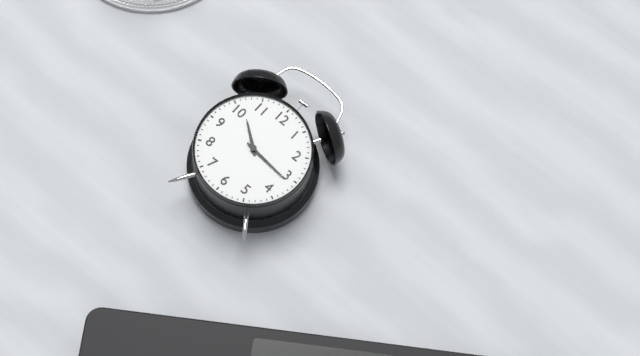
10:16
